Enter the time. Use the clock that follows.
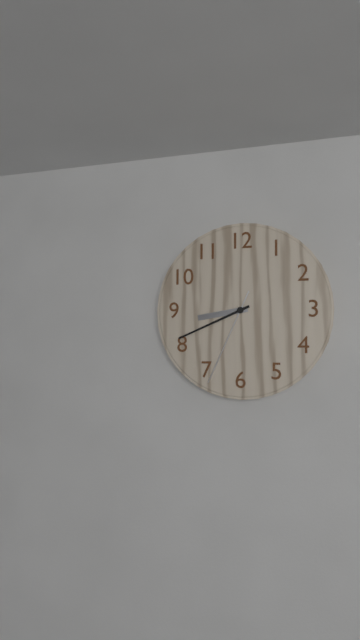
8:41:34
